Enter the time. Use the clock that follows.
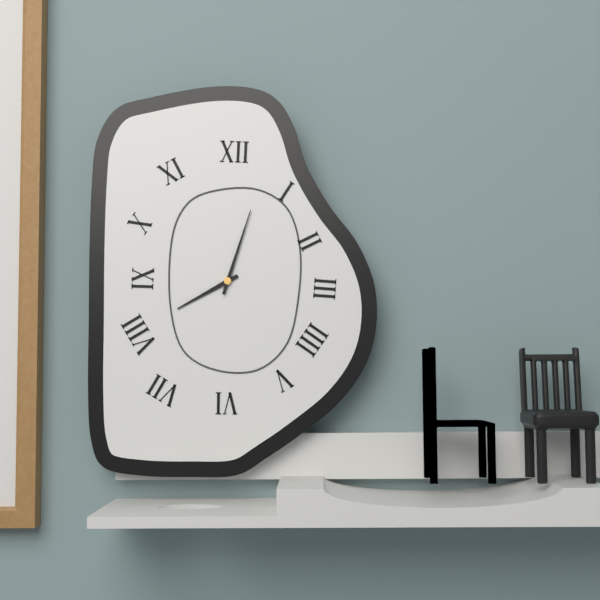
8:03
